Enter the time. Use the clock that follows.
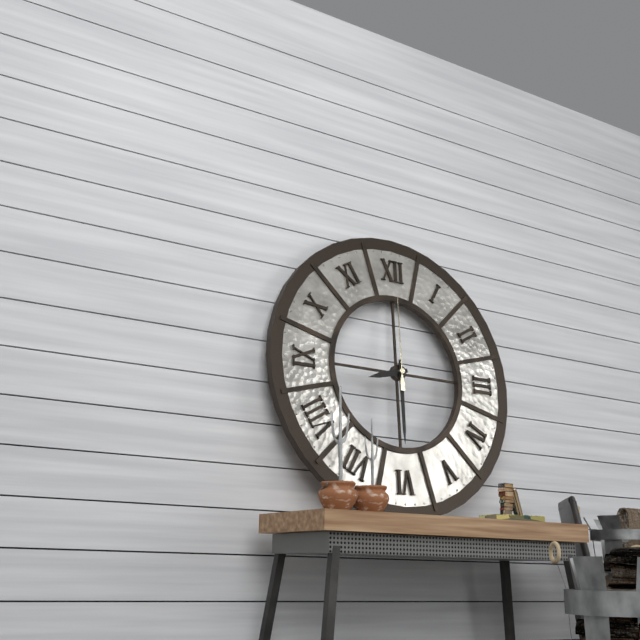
8:30:00
